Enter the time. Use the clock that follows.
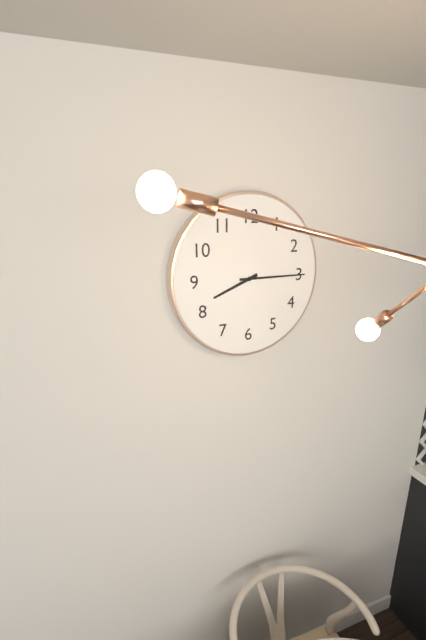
8:15
